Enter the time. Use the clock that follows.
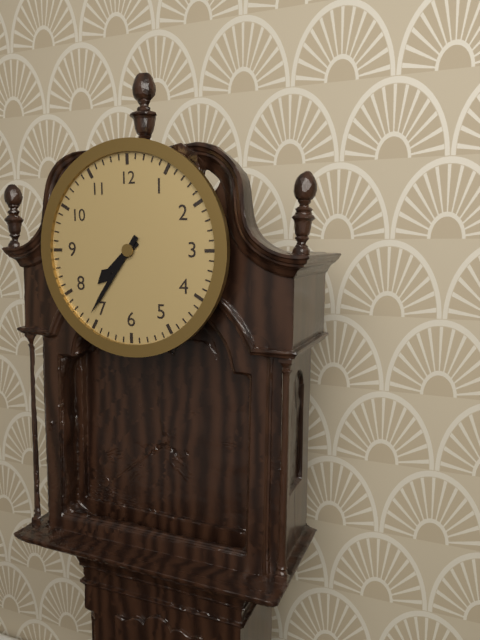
7:36
